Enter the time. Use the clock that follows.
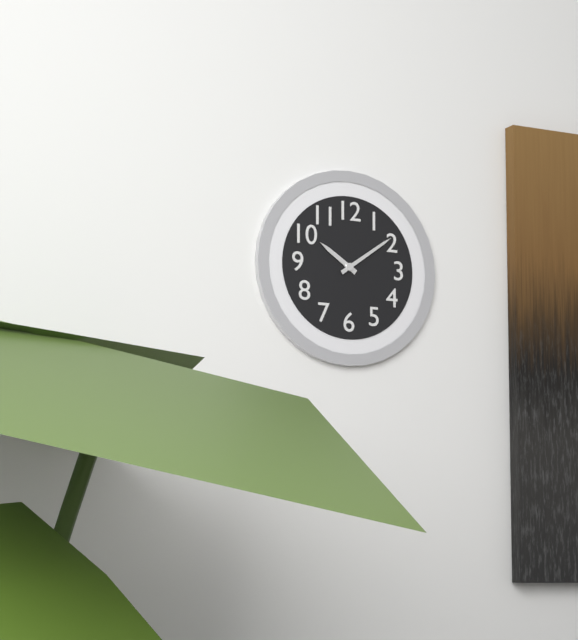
10:09
